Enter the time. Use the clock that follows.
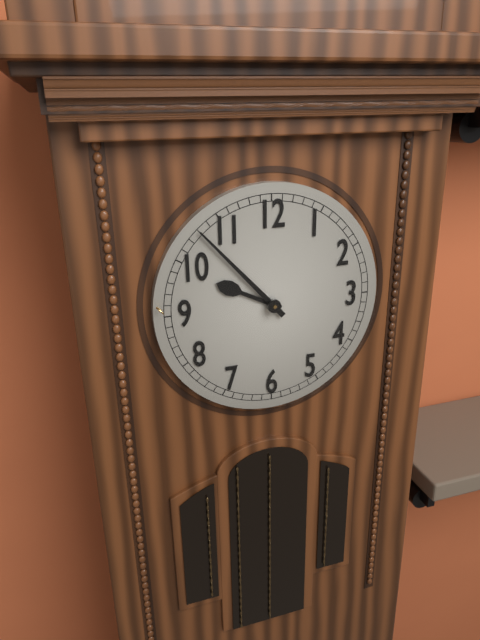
9:53
